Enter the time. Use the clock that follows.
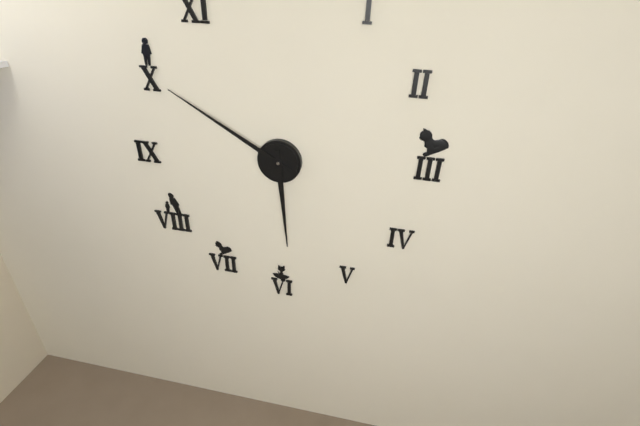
5:50
